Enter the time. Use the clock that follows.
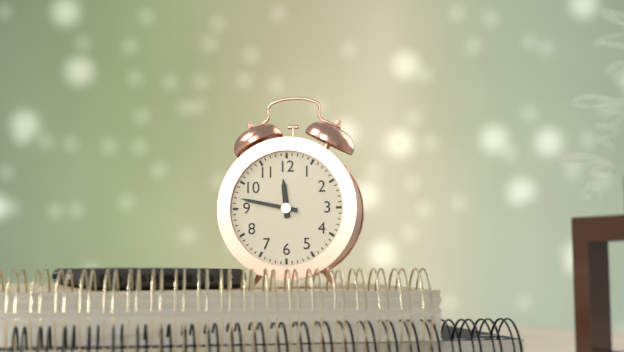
11:47
